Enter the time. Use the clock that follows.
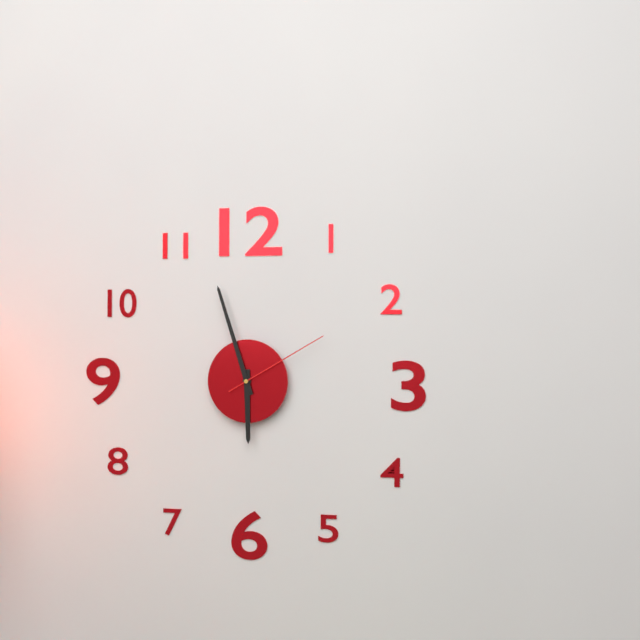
5:57:10
